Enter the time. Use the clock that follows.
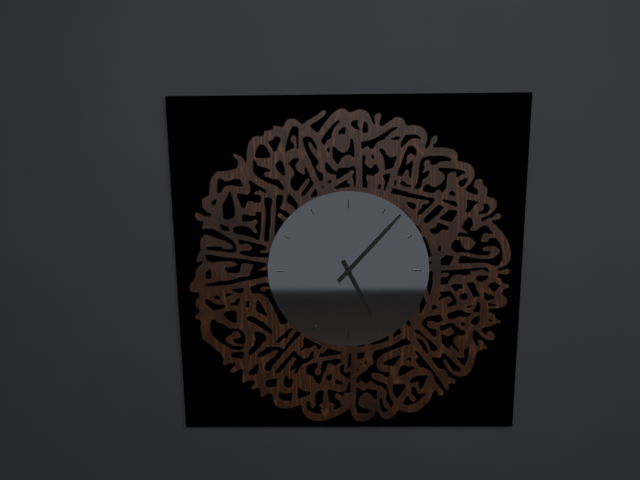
5:07
